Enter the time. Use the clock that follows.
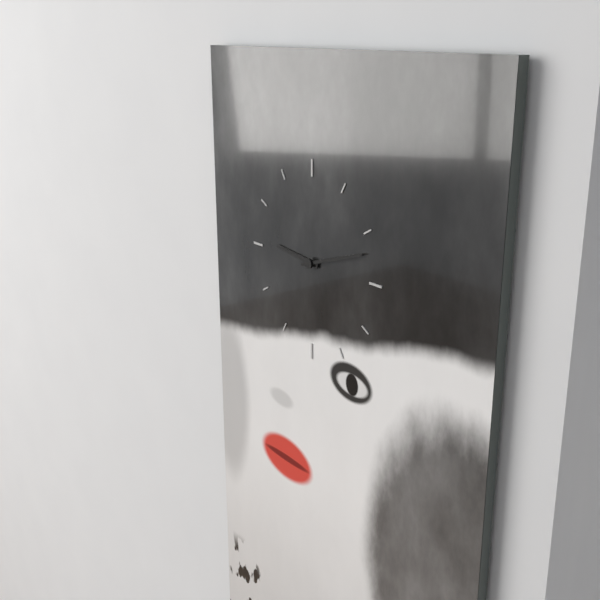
9:12
